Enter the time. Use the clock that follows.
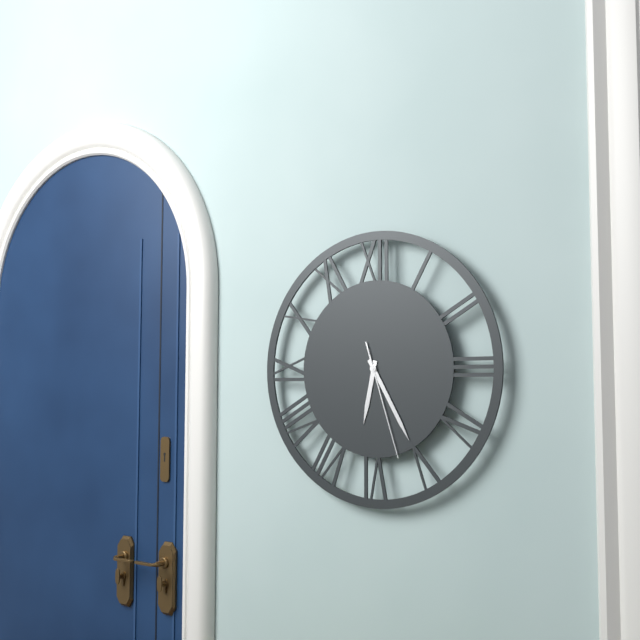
6:25:27
